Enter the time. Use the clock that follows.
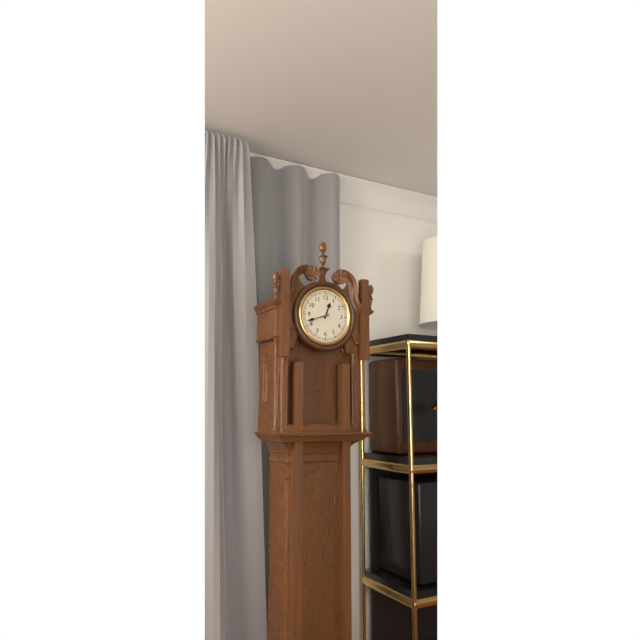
12:42
